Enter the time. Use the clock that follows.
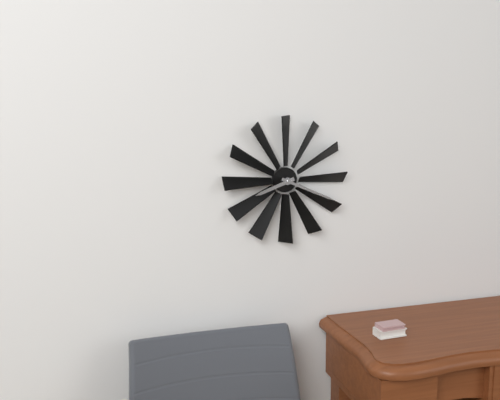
8:19
